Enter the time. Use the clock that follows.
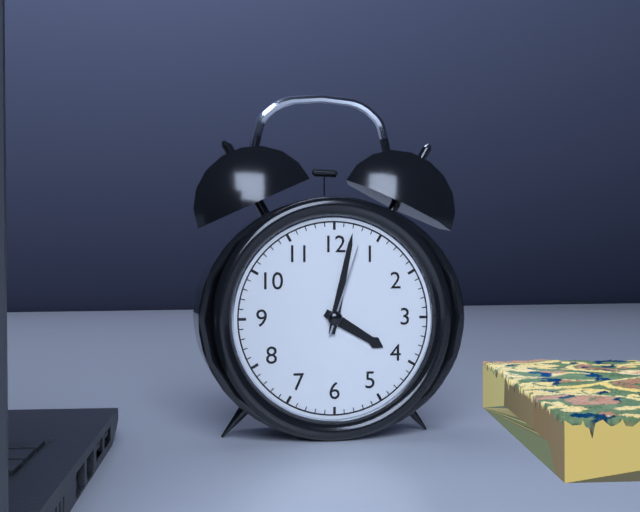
4:02:03
